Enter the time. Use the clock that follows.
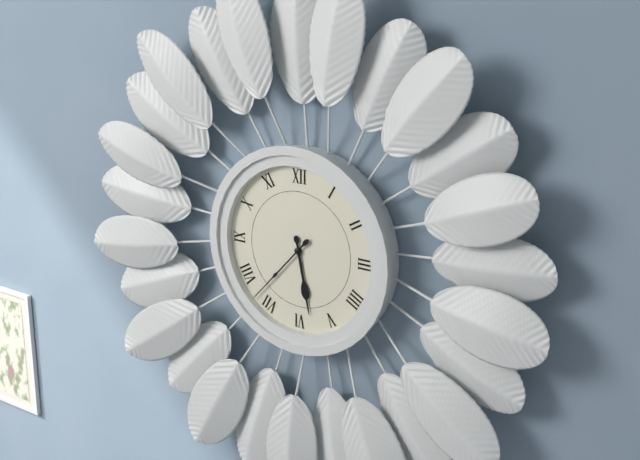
5:37
